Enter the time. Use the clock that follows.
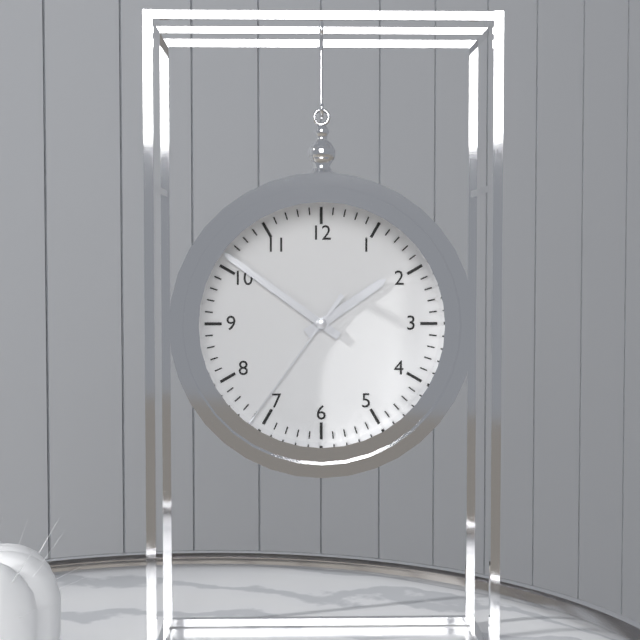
1:51:36
